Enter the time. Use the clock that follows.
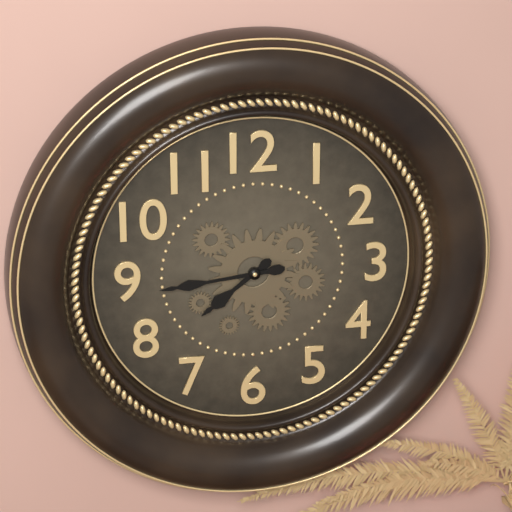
7:44
